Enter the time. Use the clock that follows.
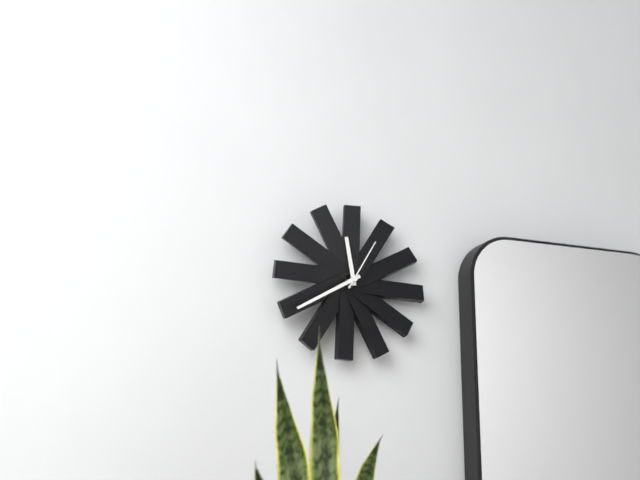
11:40:05
